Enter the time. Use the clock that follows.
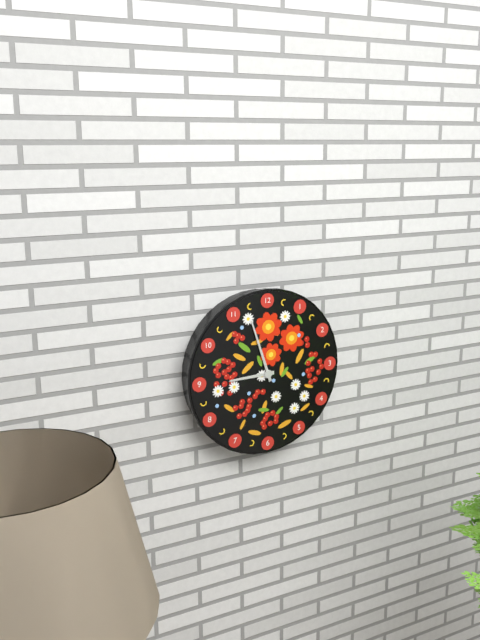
8:57
